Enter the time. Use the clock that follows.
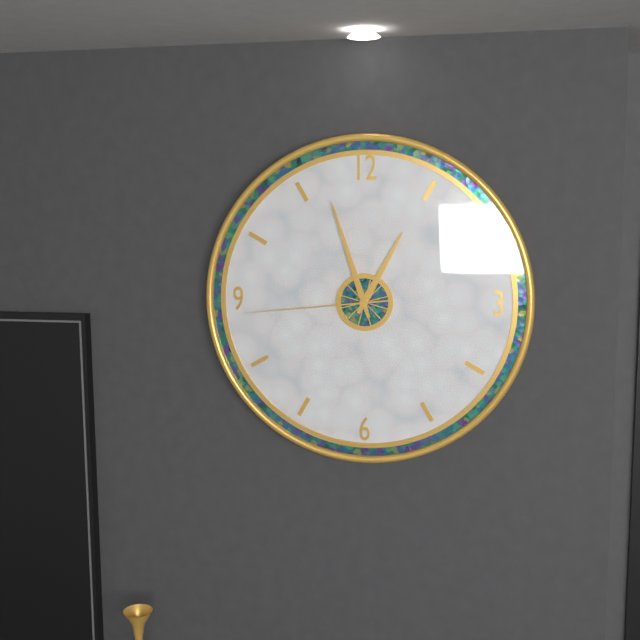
12:57:44
